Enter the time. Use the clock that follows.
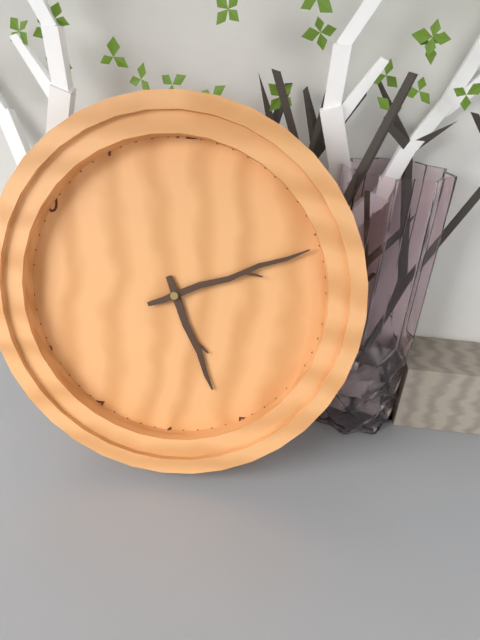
5:11
